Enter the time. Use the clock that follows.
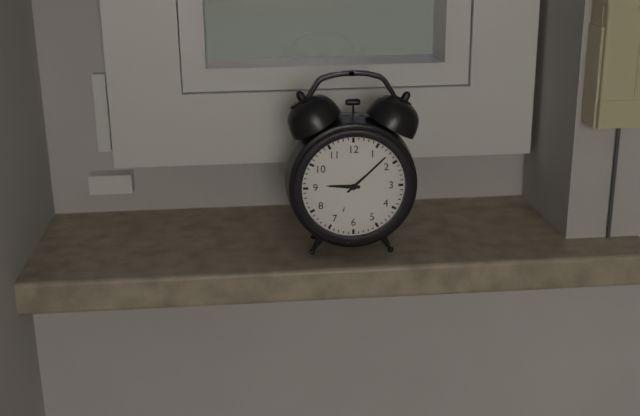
9:08
